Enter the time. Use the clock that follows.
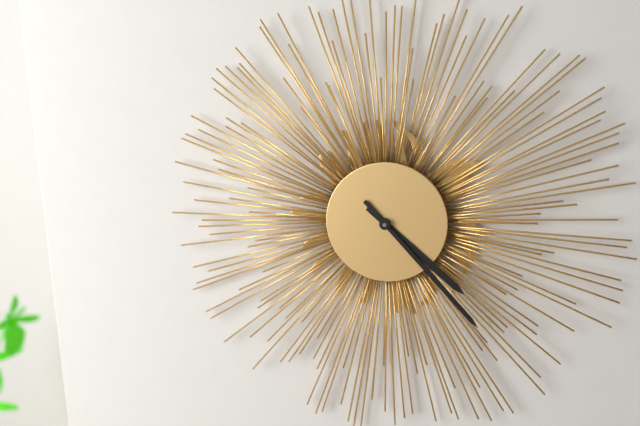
4:23
